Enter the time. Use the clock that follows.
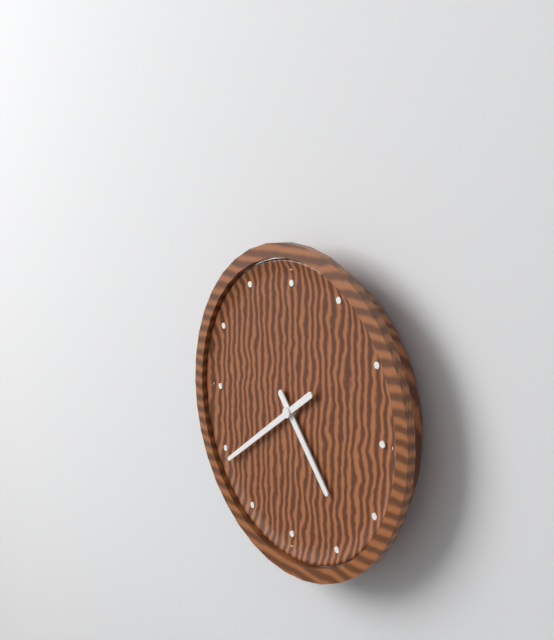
4:39
